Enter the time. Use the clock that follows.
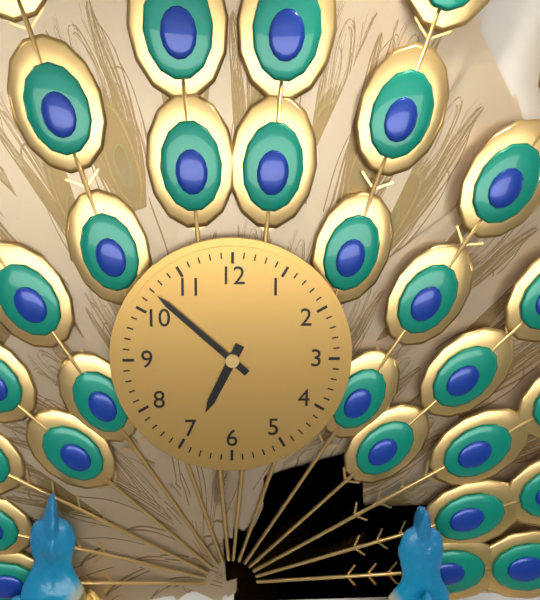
6:52
